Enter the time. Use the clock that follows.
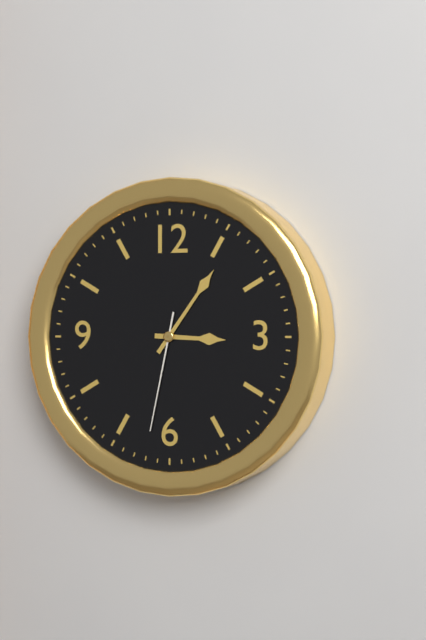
3:06:32
